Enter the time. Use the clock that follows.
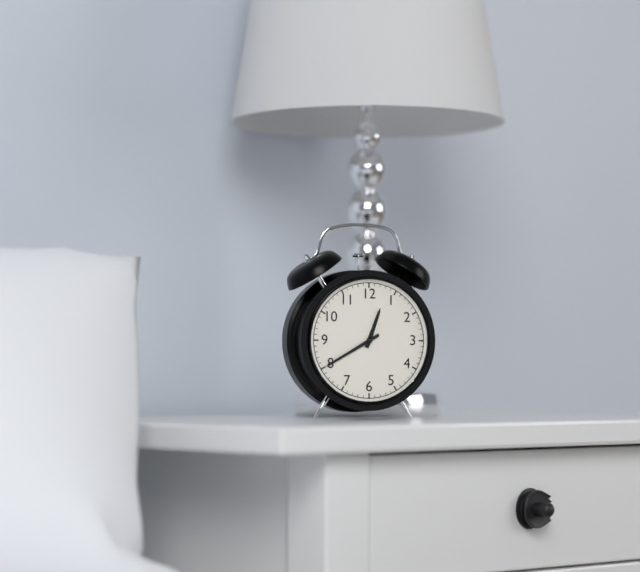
12:40
